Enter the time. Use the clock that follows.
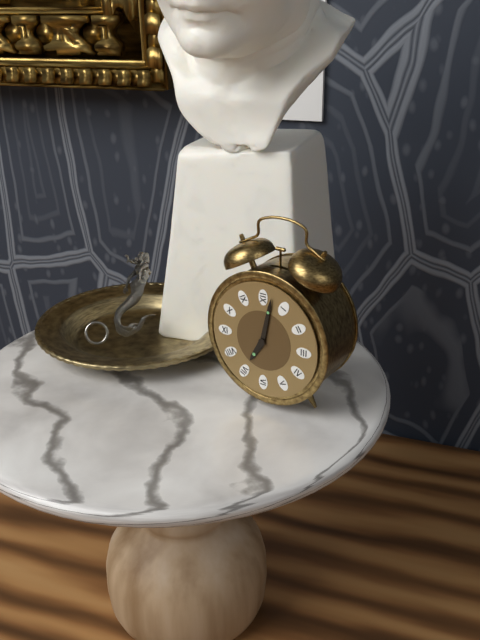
7:02
